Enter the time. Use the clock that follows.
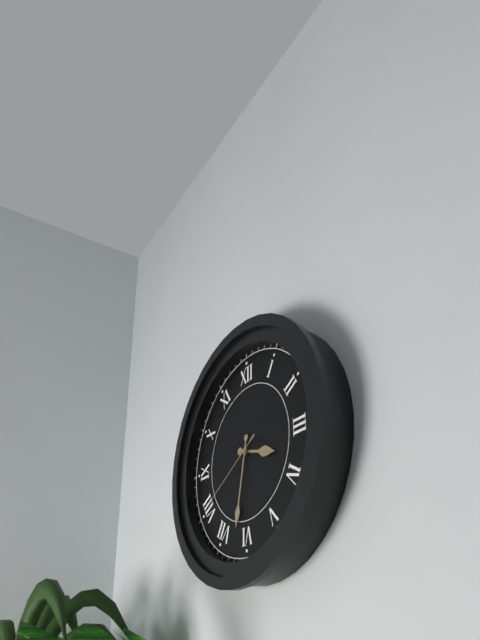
3:32:40
